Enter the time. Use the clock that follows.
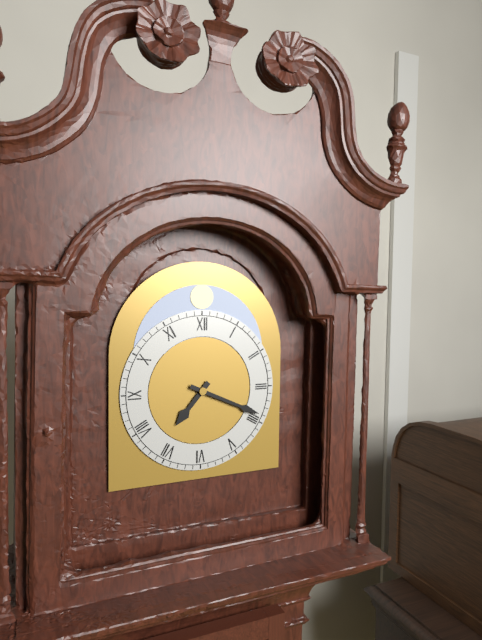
7:19
